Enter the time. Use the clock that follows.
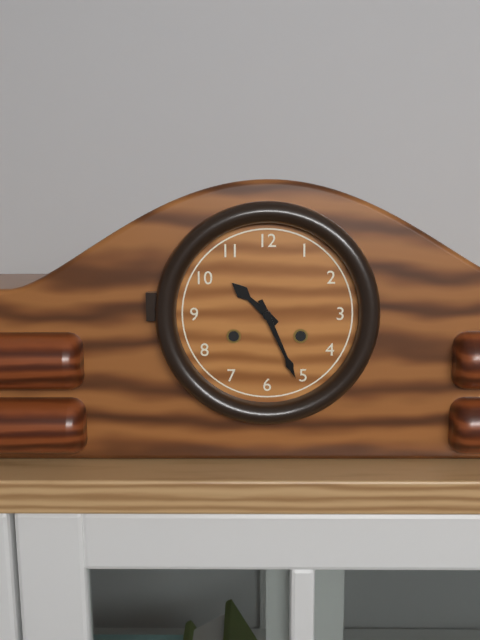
10:26
